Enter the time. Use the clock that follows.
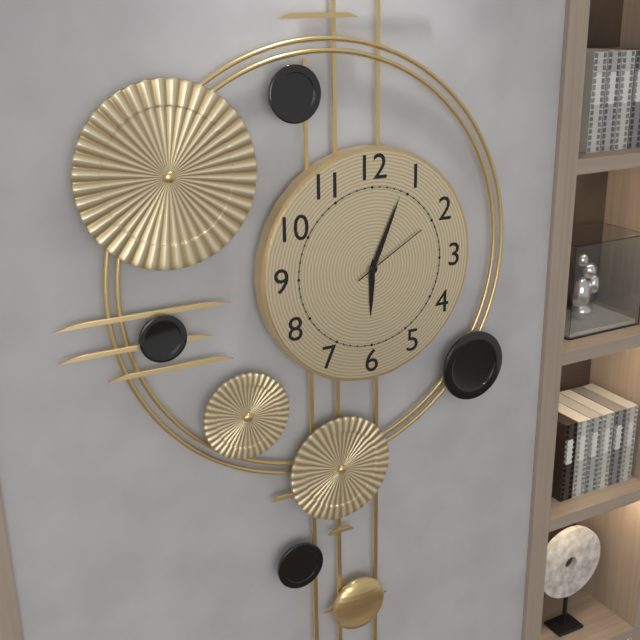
6:04:10
